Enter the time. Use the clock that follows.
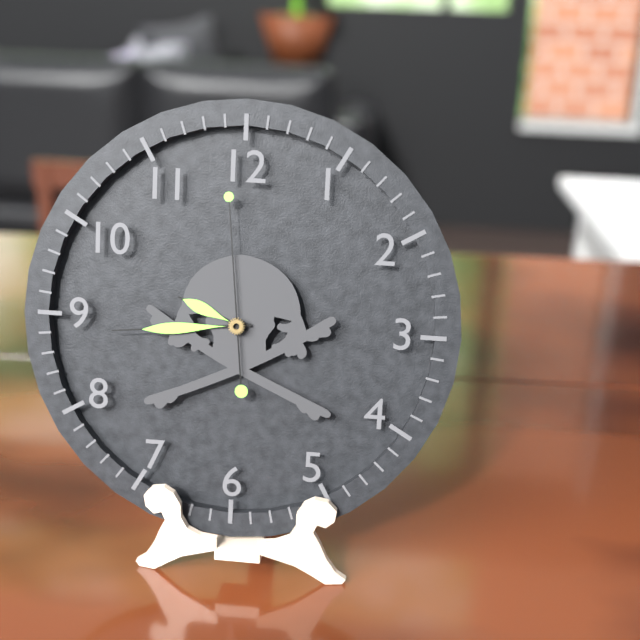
9:44:59
